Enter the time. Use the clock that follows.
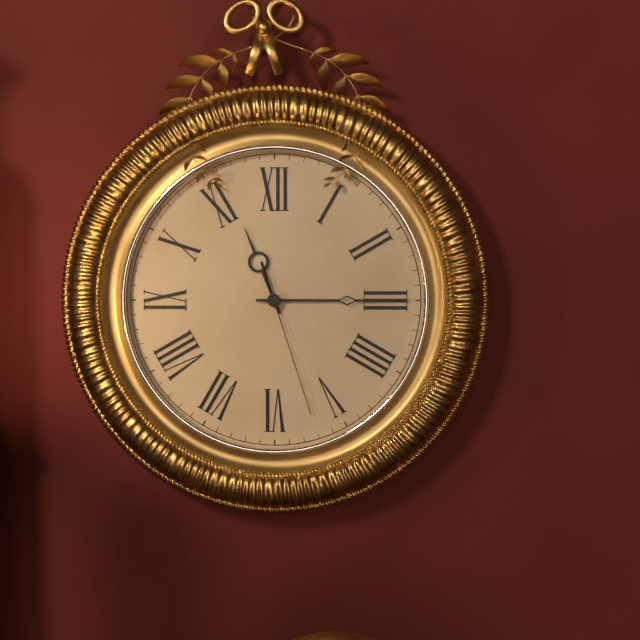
11:15:27
